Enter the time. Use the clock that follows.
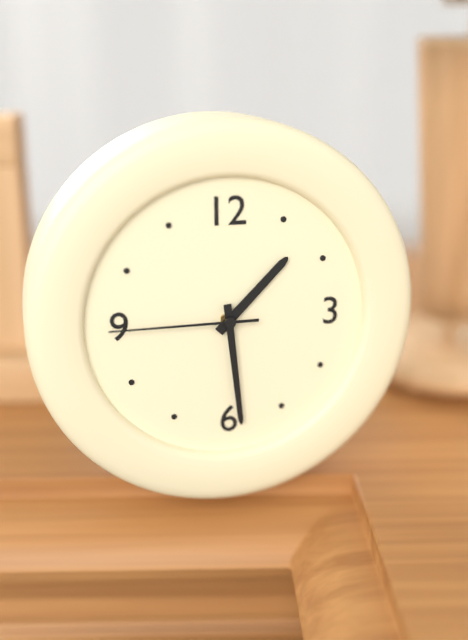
1:29:45
